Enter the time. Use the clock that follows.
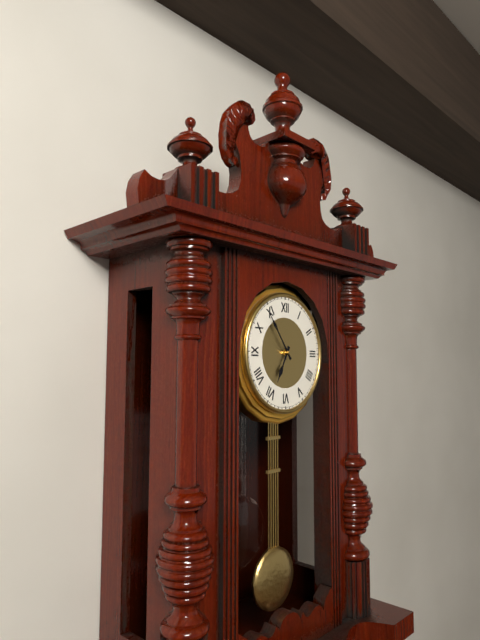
6:54
